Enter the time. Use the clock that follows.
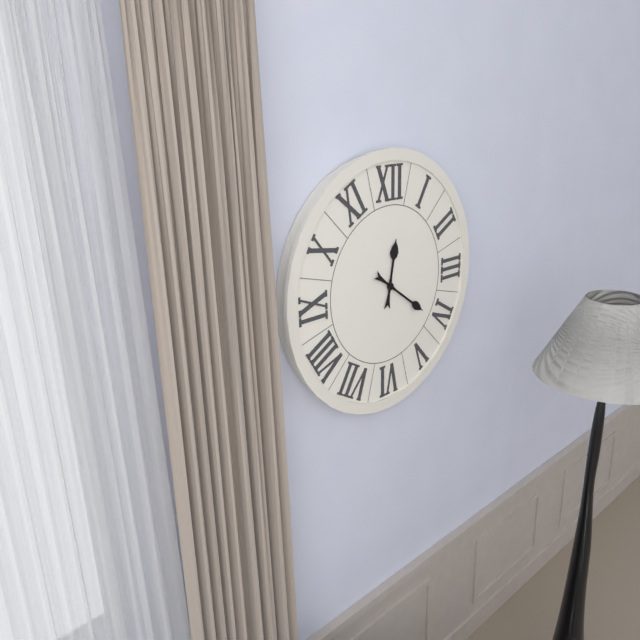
12:21
